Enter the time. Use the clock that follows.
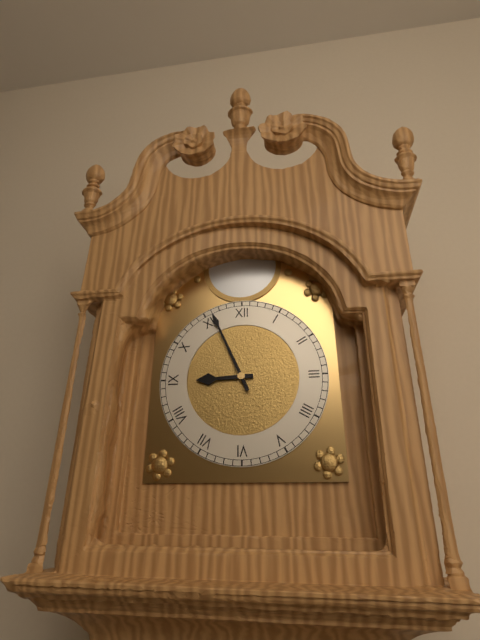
8:56
